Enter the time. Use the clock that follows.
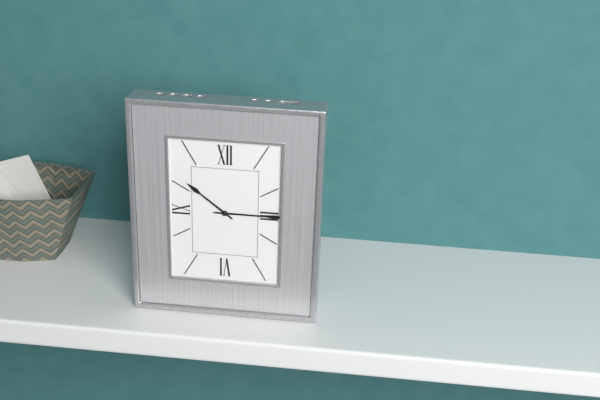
10:15
